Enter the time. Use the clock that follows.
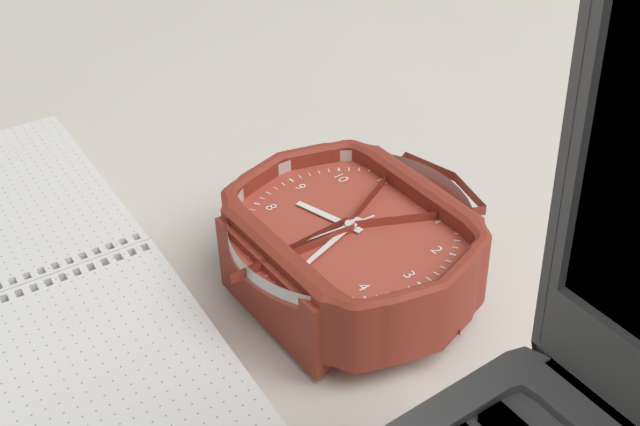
8:27
